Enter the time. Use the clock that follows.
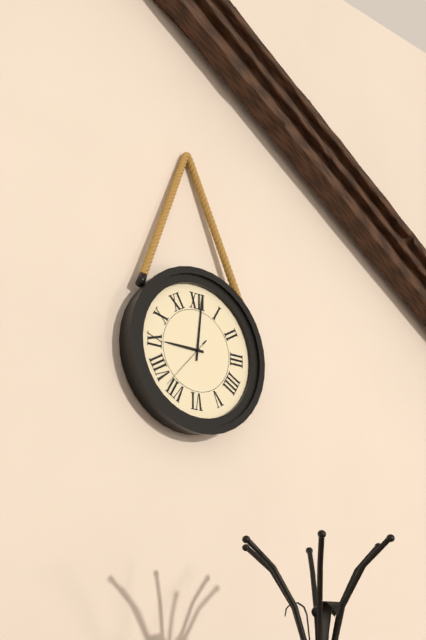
9:01:37
